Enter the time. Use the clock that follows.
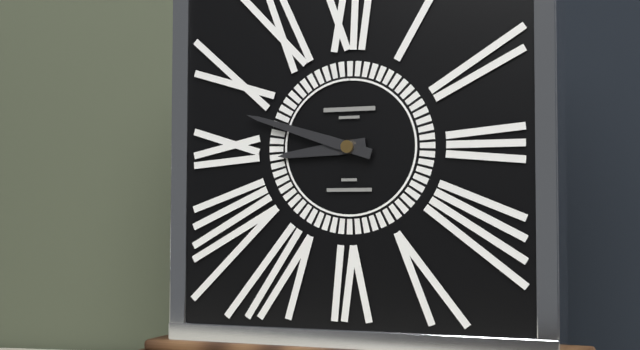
8:48
